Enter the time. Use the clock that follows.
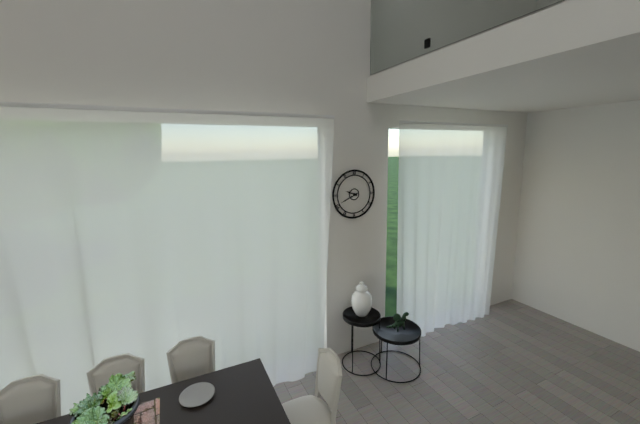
9:41
